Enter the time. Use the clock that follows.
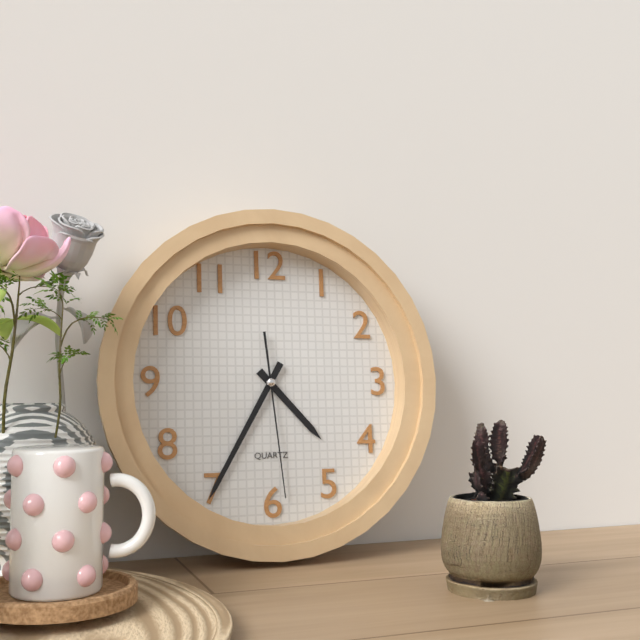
4:35:29
